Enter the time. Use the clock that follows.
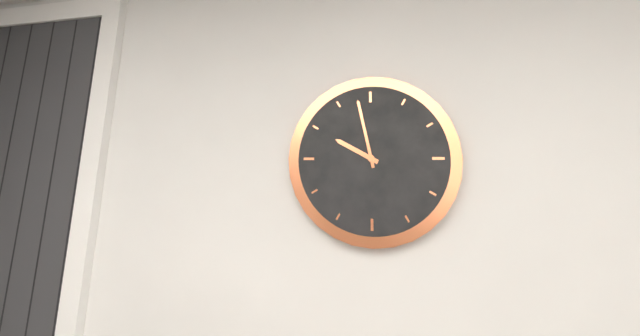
9:58
